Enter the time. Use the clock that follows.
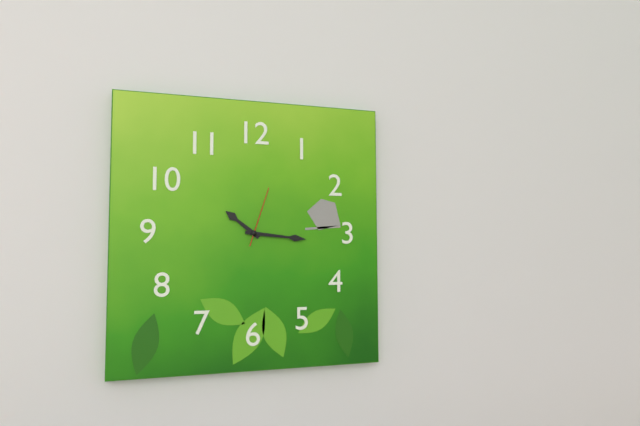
10:16:03
